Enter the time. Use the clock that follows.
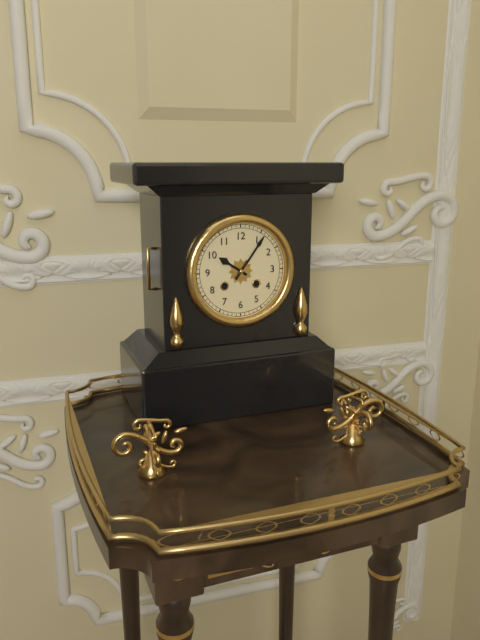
10:06
